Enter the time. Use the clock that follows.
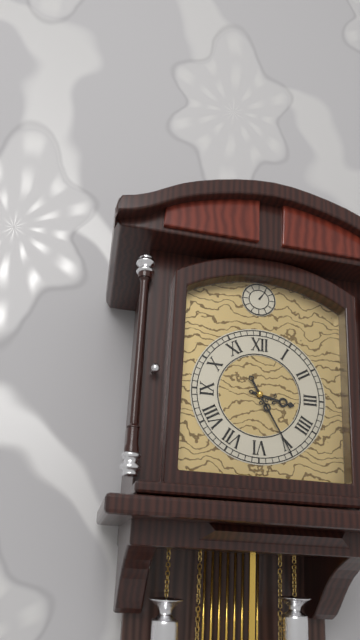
3:25
